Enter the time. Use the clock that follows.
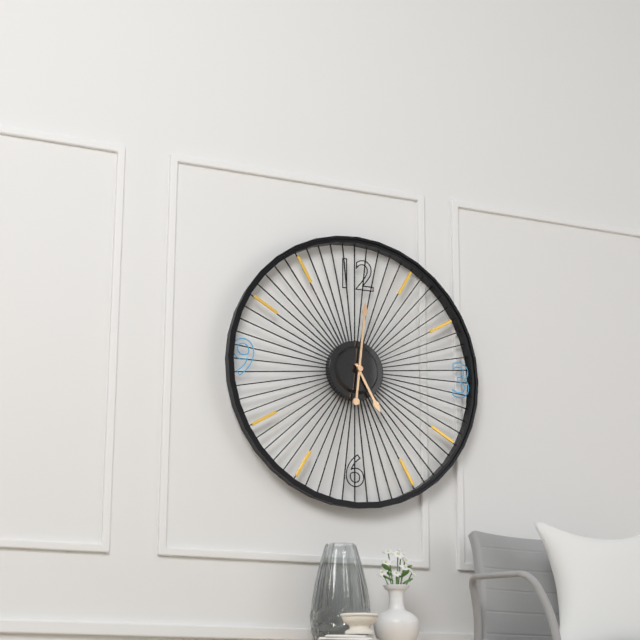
5:01
